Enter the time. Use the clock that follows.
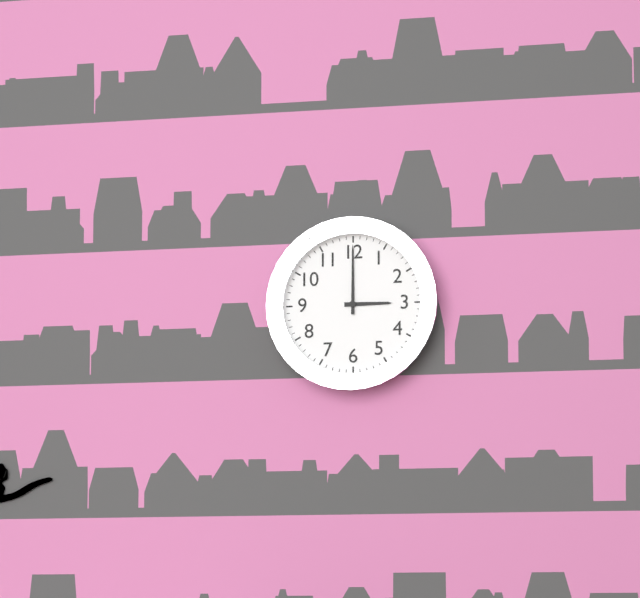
3:00
